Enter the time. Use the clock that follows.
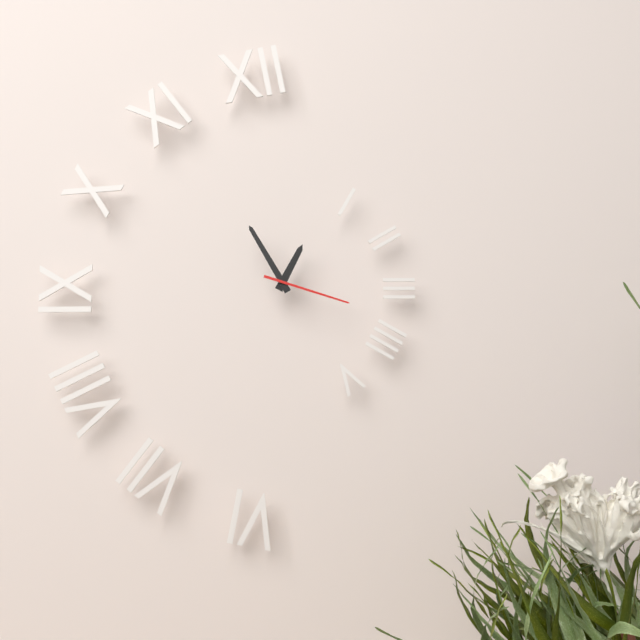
12:55:18
